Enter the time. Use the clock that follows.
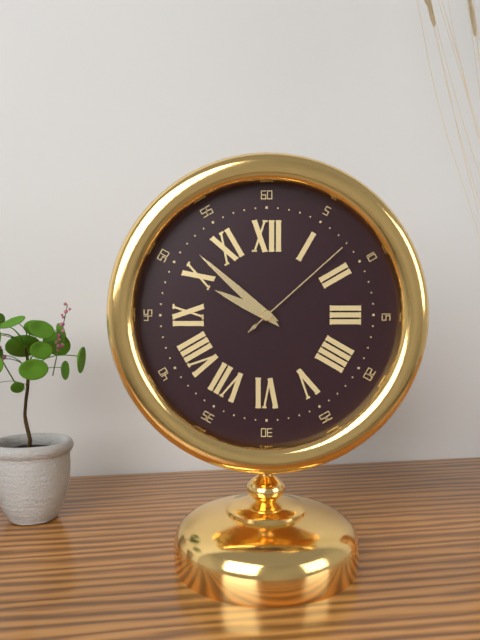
9:52:08
